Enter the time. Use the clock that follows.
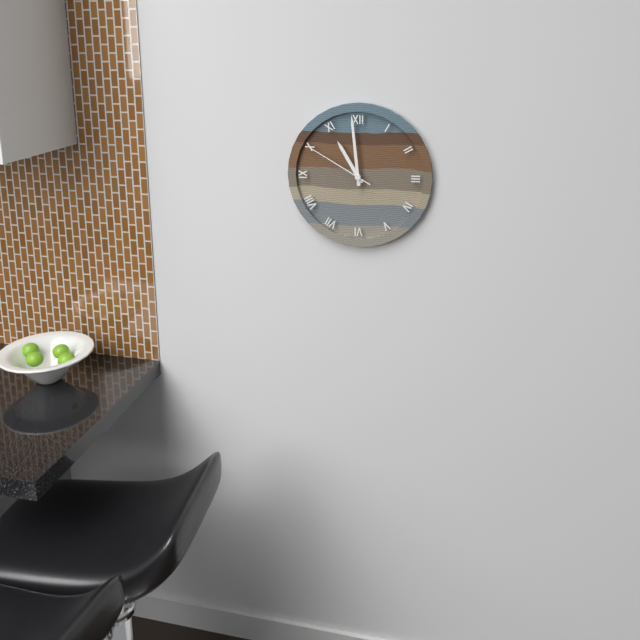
10:59:50
